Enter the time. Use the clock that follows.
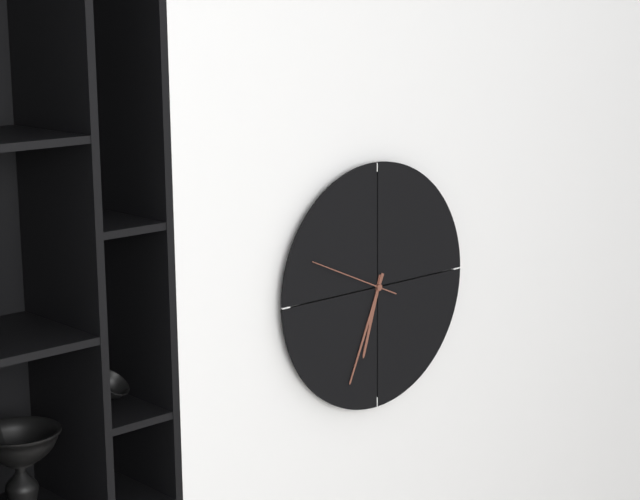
6:34:49
